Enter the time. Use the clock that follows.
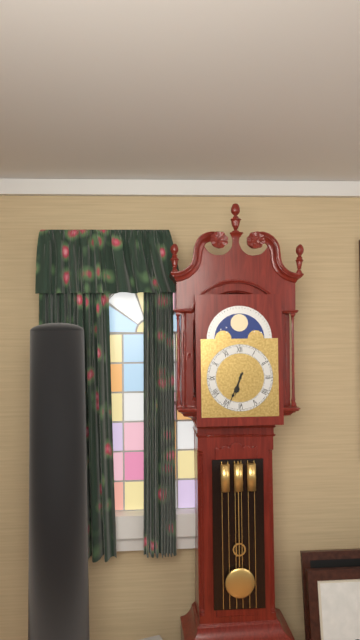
6:34
